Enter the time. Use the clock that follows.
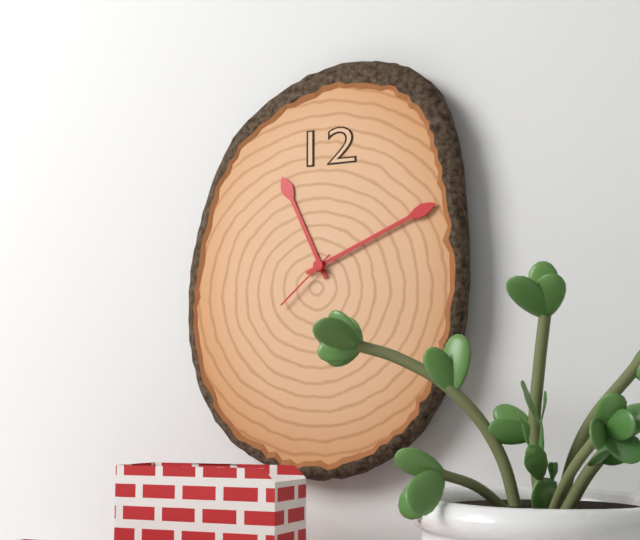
11:11:38
